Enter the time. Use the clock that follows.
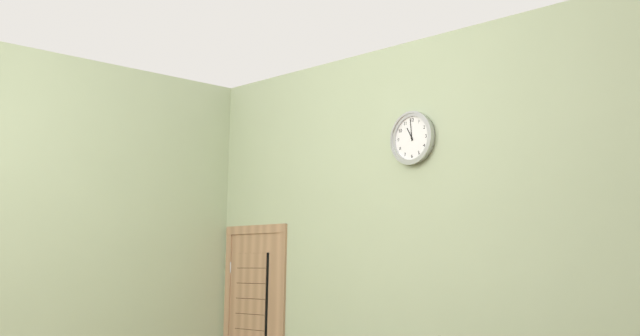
10:59
